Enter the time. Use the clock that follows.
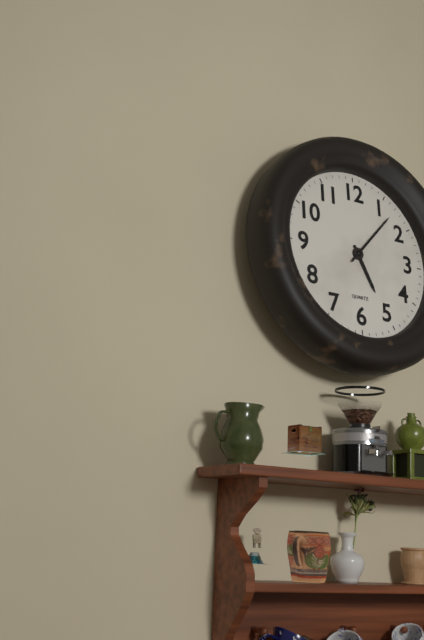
5:07
